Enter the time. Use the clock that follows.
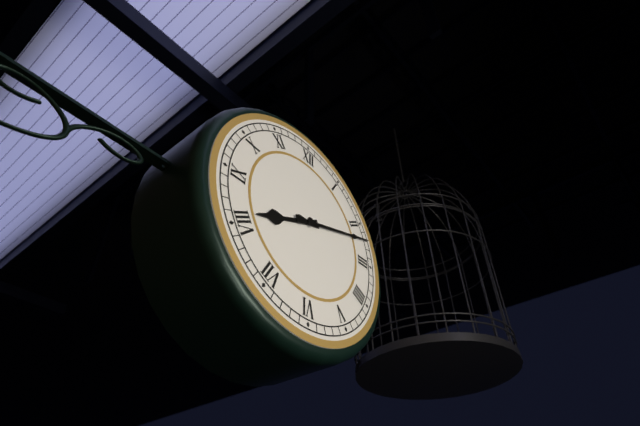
8:12
